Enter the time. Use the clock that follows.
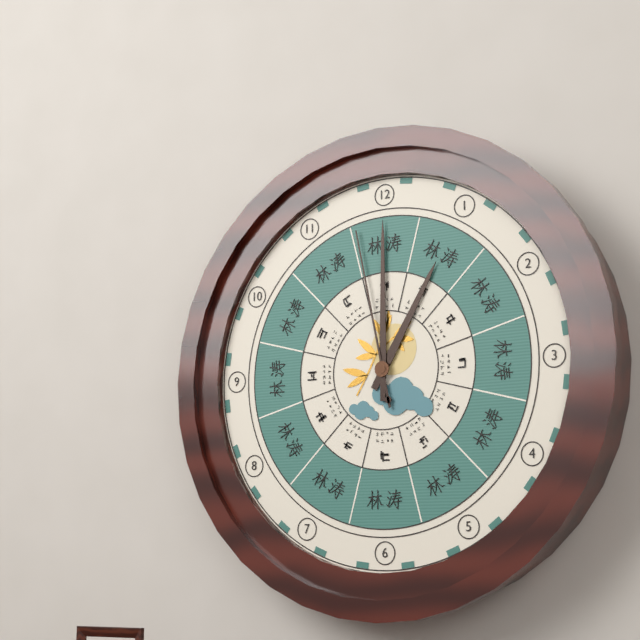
1:00:58
